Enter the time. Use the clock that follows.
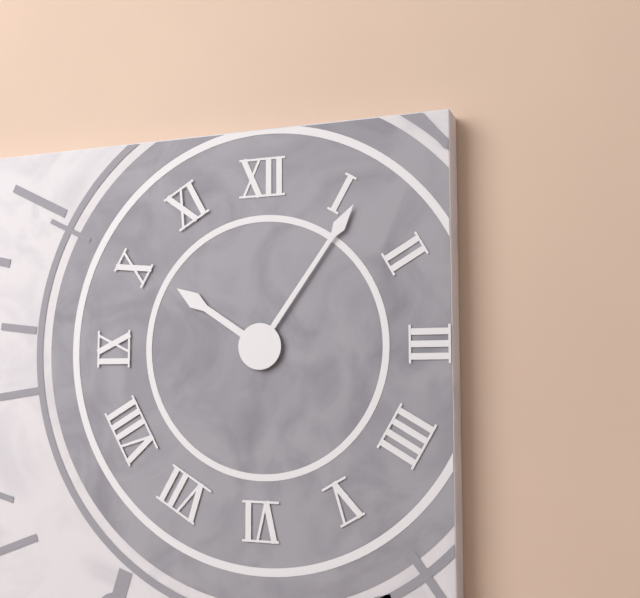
10:06
